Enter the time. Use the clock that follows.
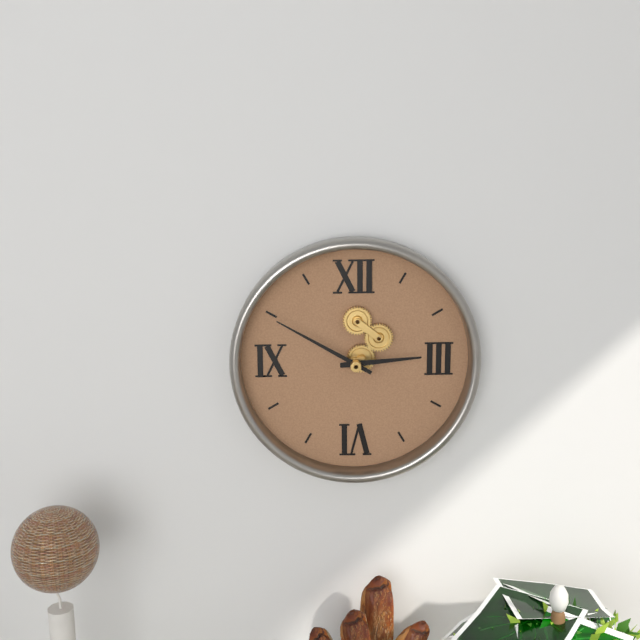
2:50
